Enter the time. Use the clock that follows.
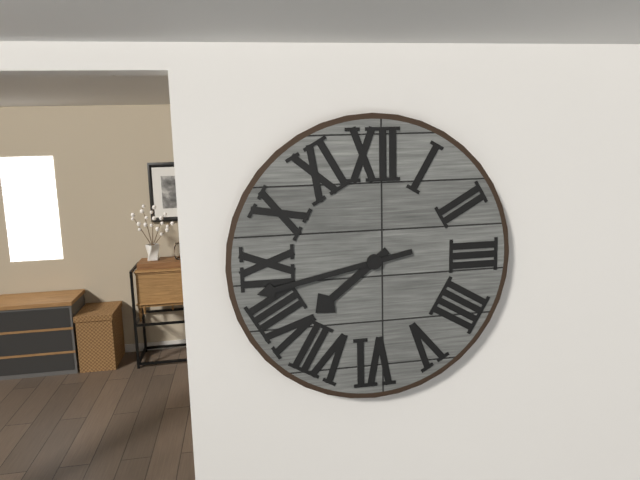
7:43
